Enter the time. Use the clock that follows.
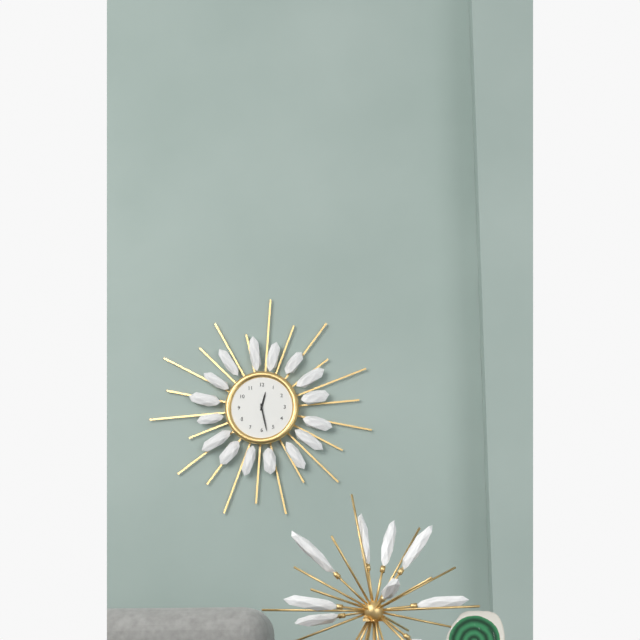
12:28
